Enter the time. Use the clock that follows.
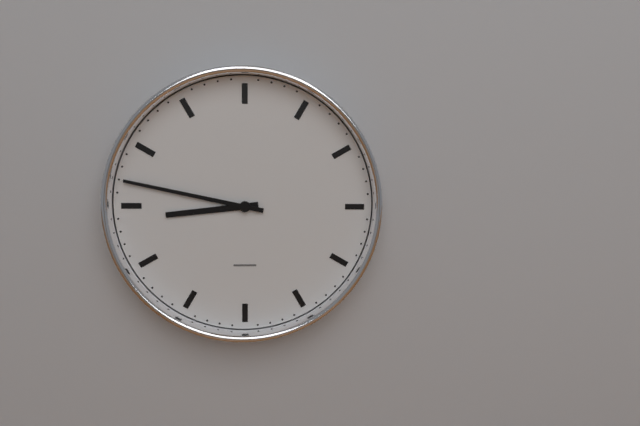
8:47
